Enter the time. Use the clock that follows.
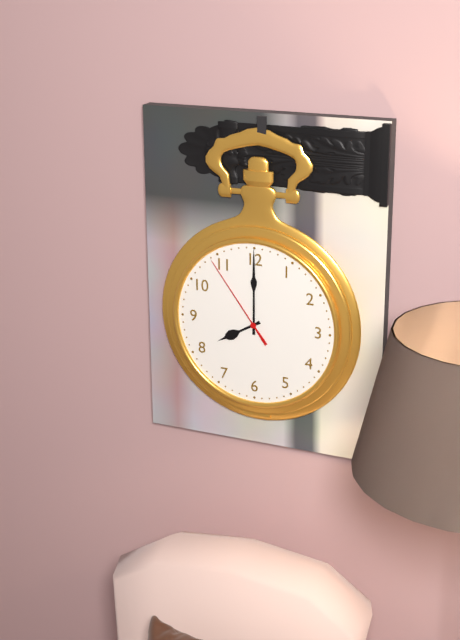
8:00:54
